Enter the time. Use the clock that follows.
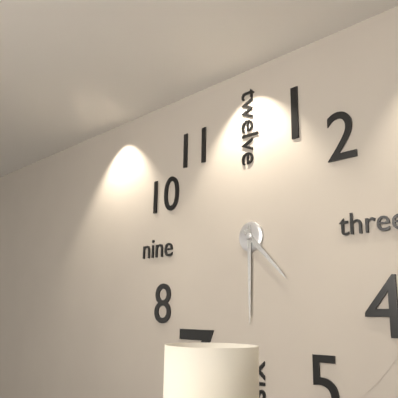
4:30
